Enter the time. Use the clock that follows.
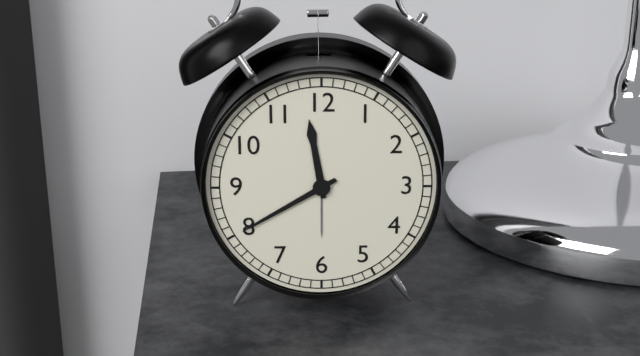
11:40
